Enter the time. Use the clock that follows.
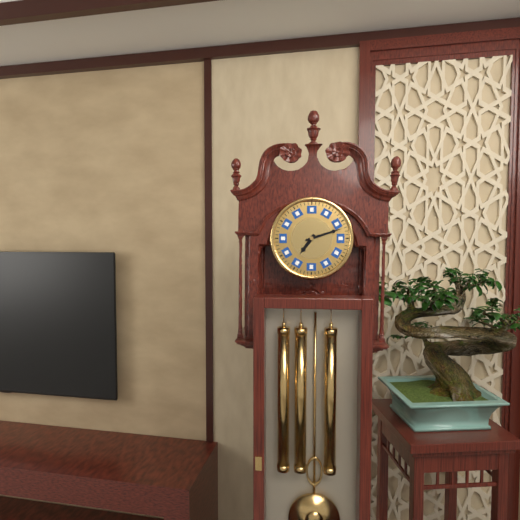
7:12
